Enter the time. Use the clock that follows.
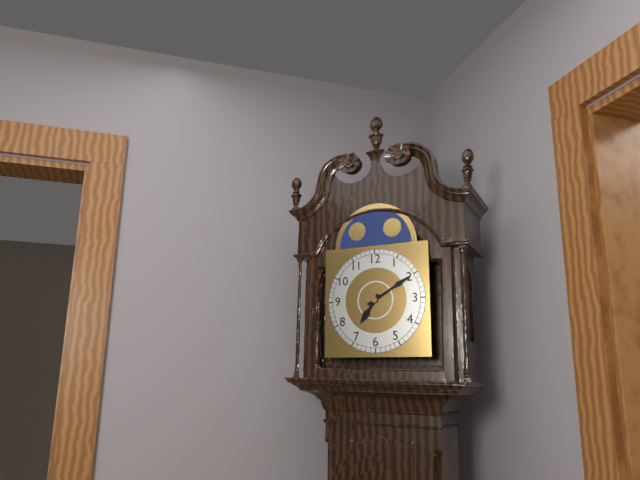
7:10
